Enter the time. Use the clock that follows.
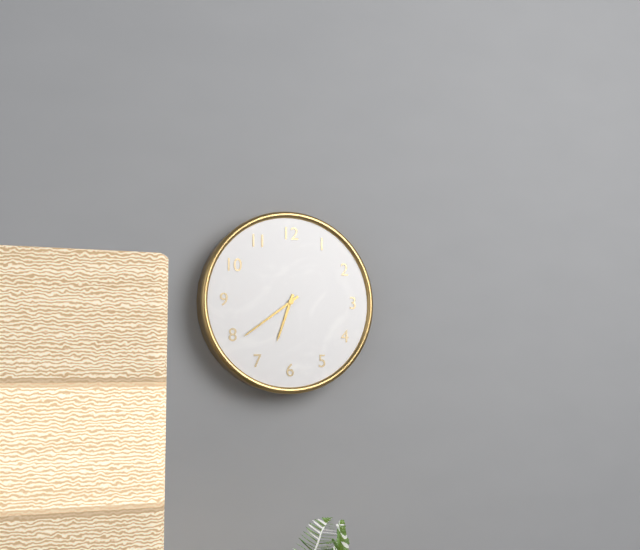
6:39
